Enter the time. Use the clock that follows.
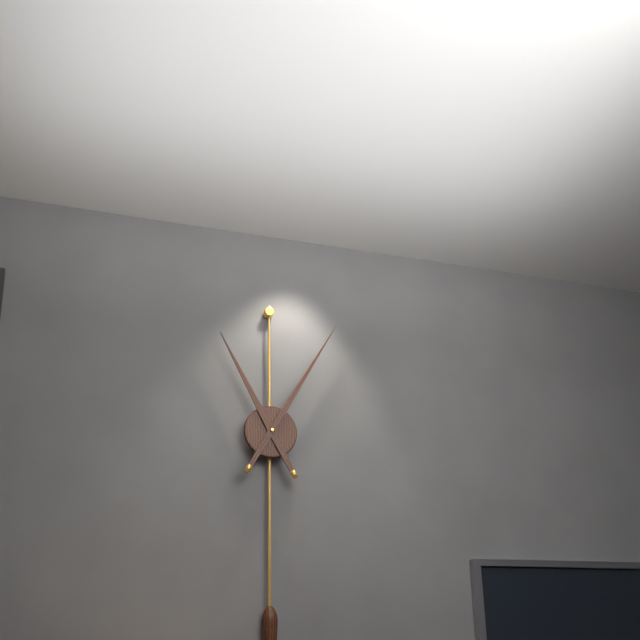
11:05
